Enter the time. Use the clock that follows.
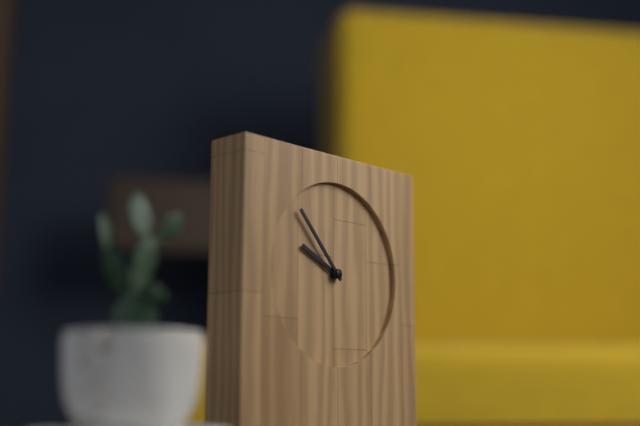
9:53
